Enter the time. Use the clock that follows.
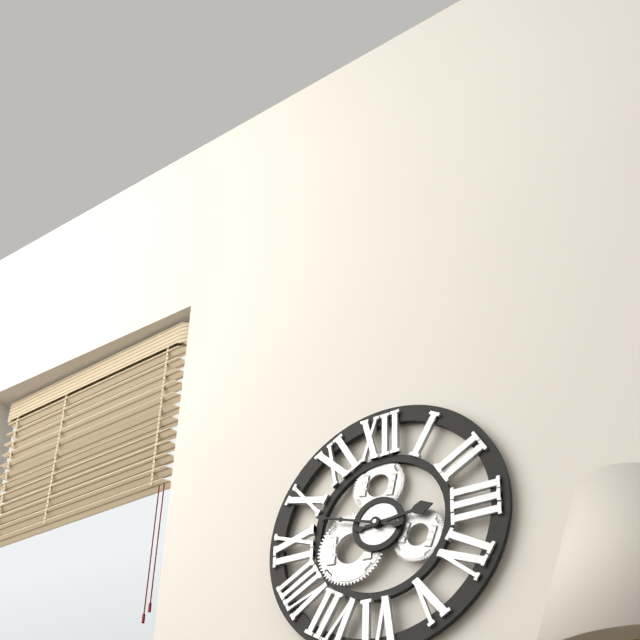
2:48
